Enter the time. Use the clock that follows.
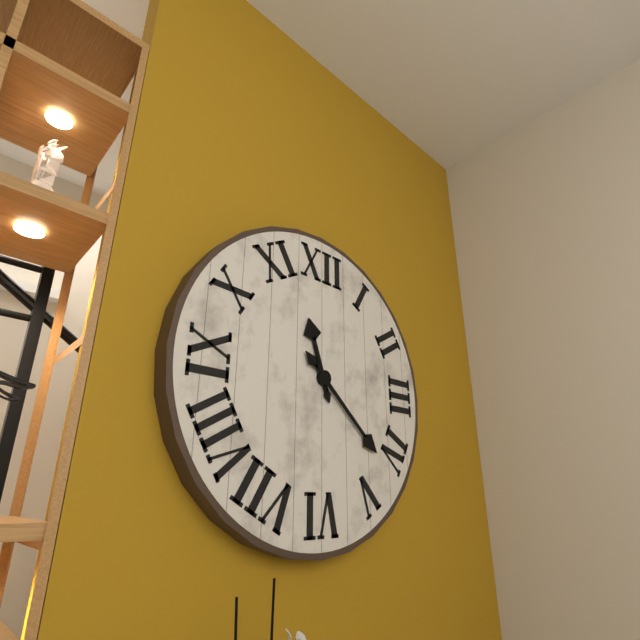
11:22
